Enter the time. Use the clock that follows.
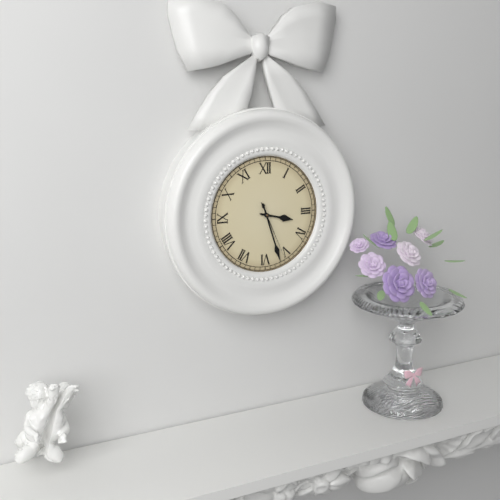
3:27:26
